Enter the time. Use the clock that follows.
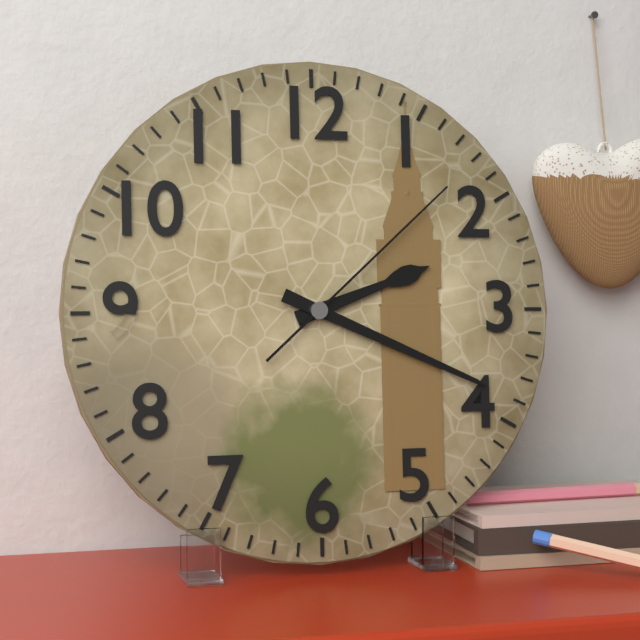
2:19:08
